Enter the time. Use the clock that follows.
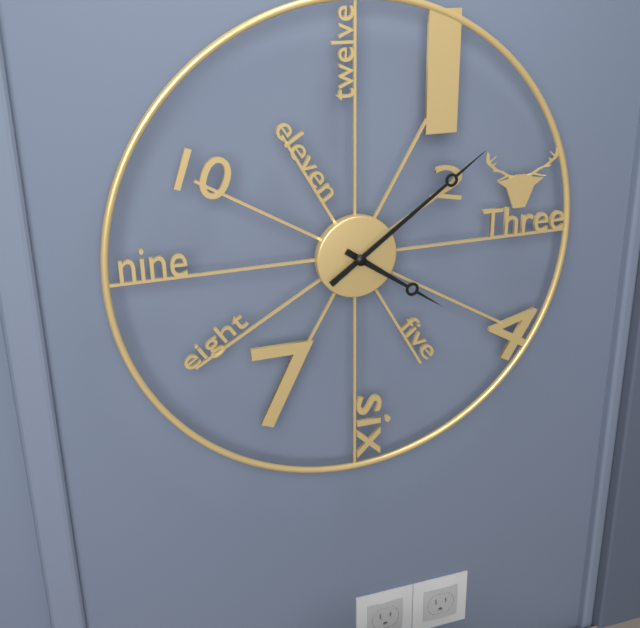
4:09
